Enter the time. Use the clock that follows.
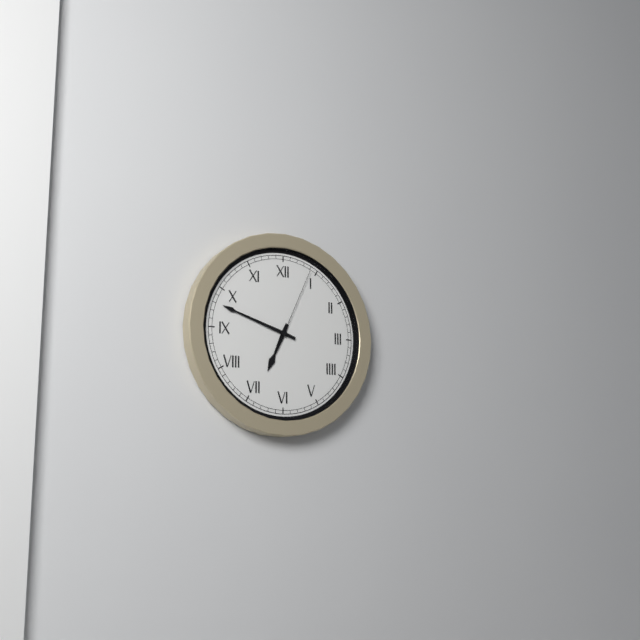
6:48:04
